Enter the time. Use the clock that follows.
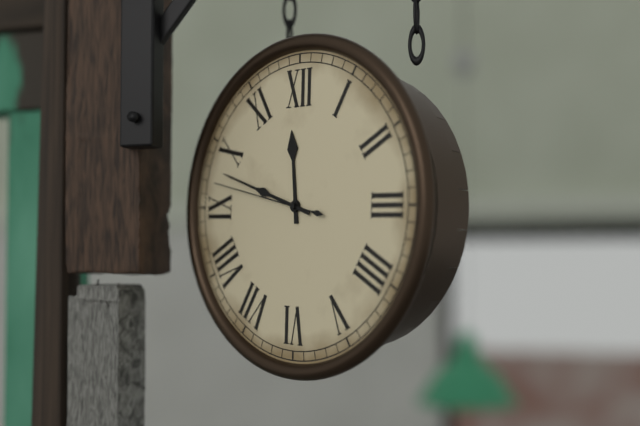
11:48:47
